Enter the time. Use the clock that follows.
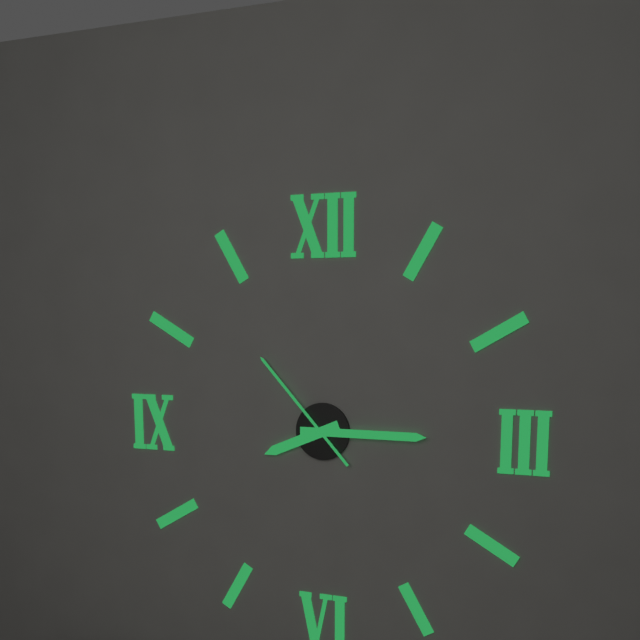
8:15:53
